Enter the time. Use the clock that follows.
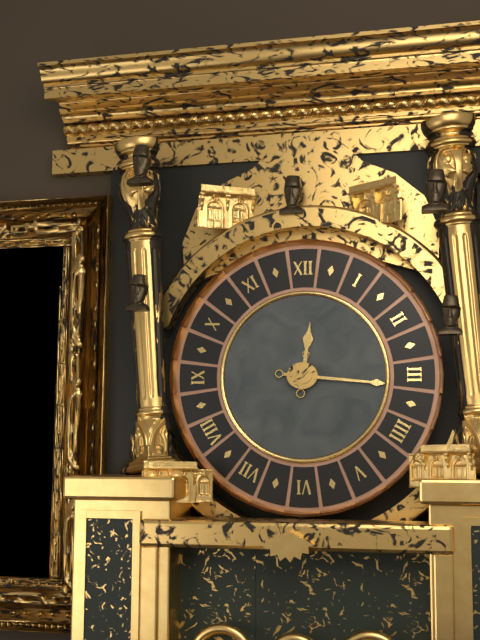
12:16
